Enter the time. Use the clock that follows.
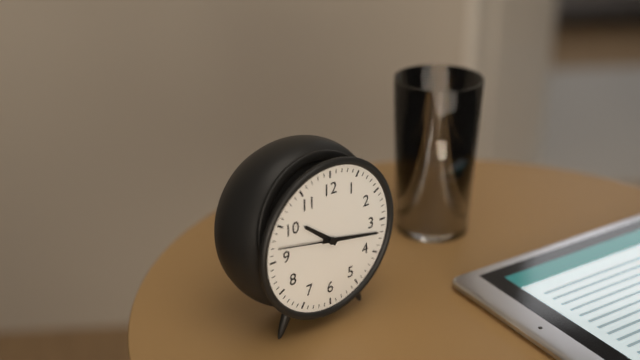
10:17:47
